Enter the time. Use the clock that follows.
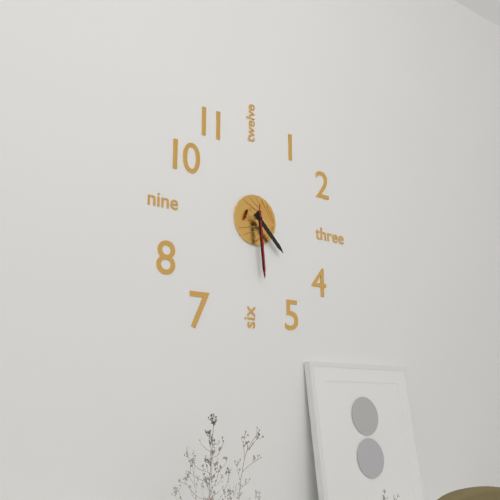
4:29:29
